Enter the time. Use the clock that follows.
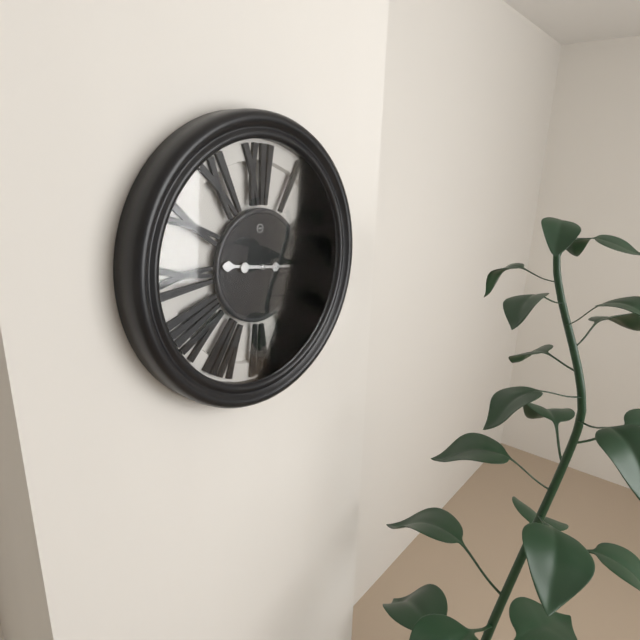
9:16
